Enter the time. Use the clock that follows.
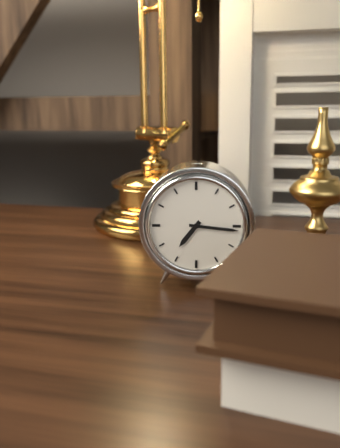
7:16
